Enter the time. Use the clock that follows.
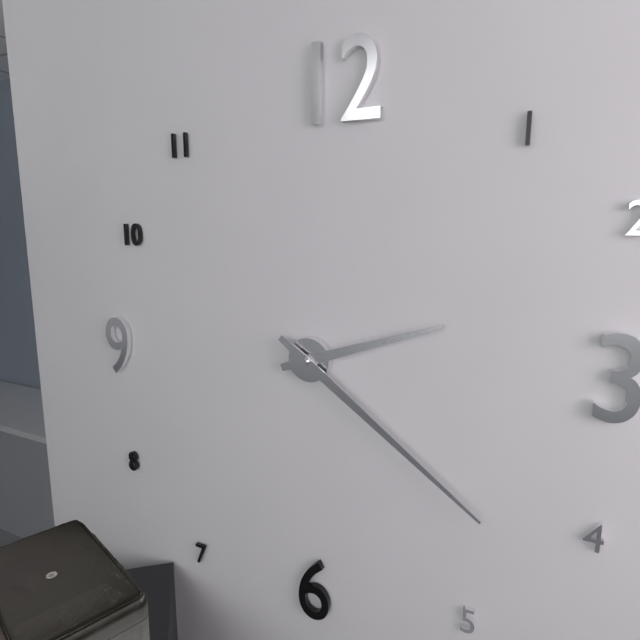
2:21
